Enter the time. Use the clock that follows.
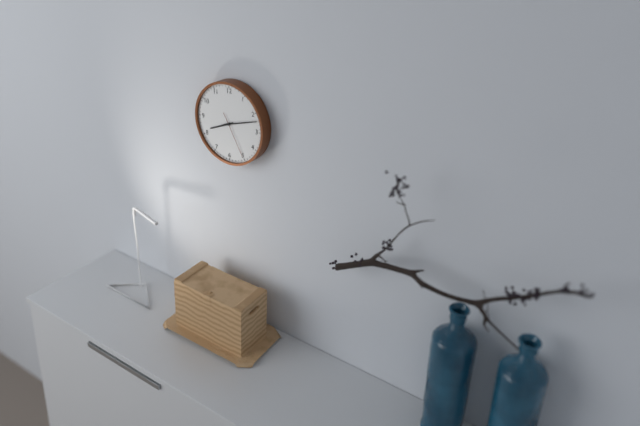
8:12
